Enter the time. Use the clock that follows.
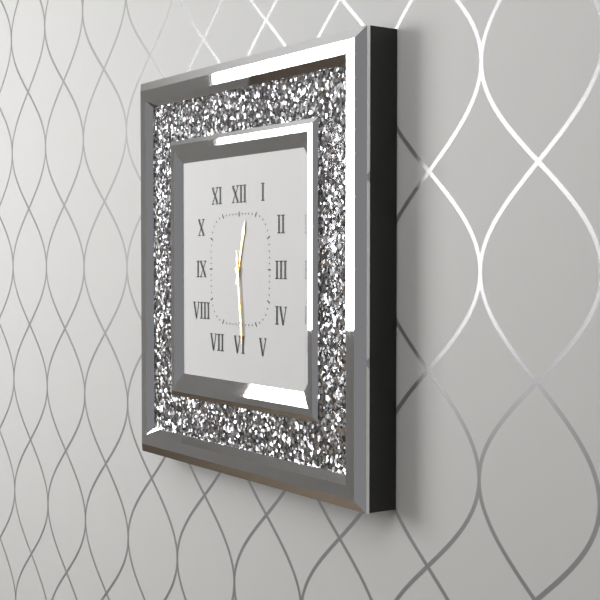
12:29
